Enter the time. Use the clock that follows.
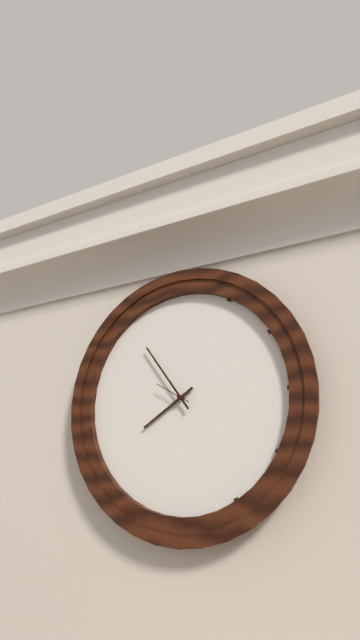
7:54
